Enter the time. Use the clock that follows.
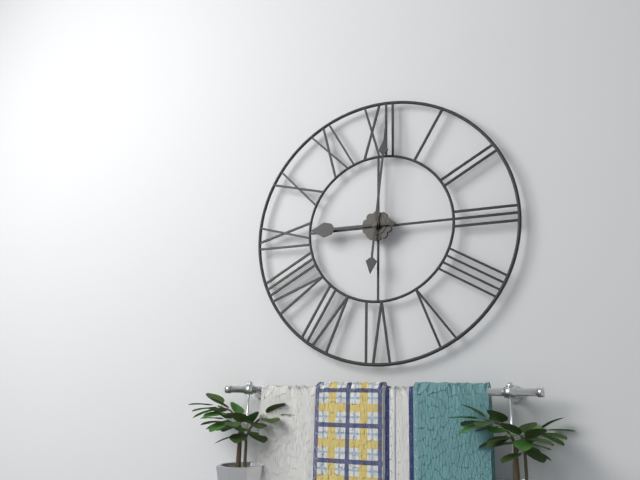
9:01
